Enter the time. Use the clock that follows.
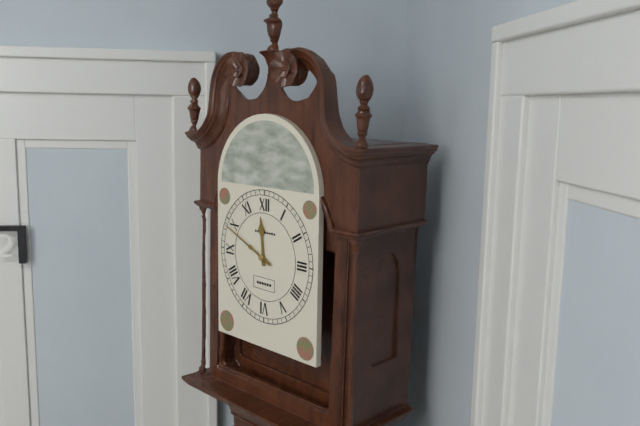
11:49
